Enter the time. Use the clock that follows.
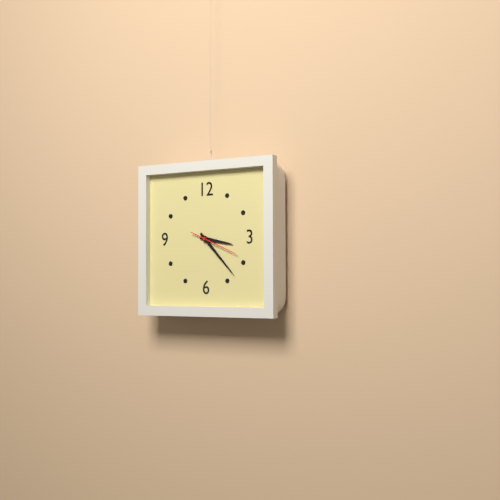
3:23
